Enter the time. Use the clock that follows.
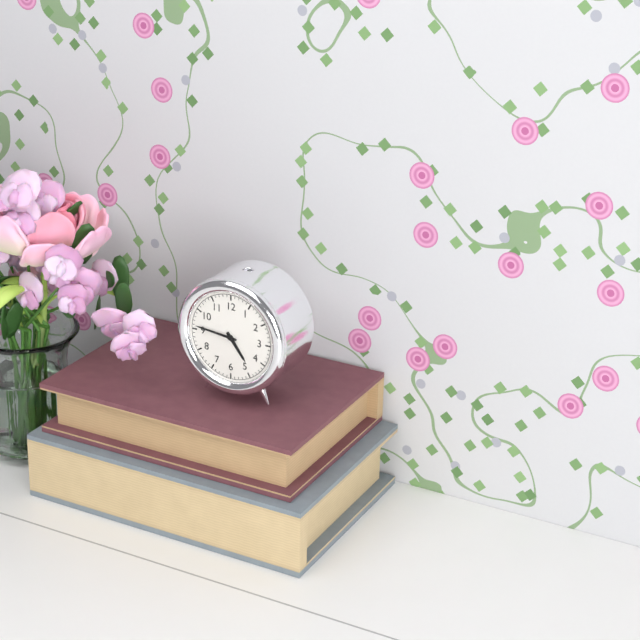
4:46
